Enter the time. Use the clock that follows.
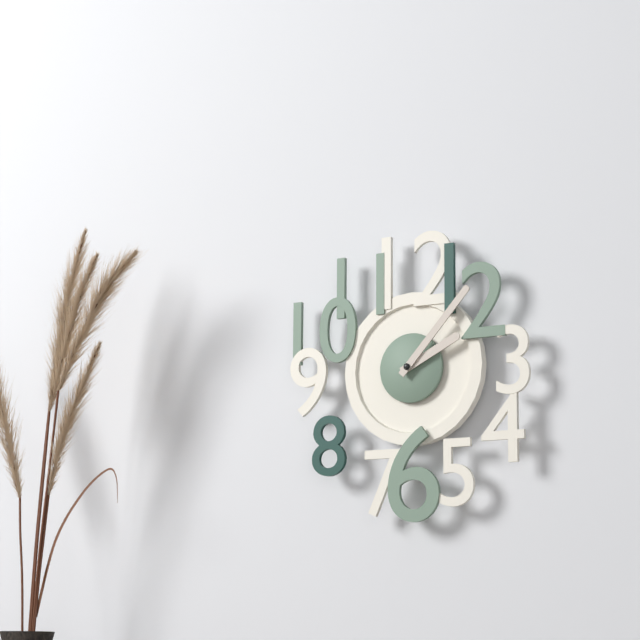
2:07
